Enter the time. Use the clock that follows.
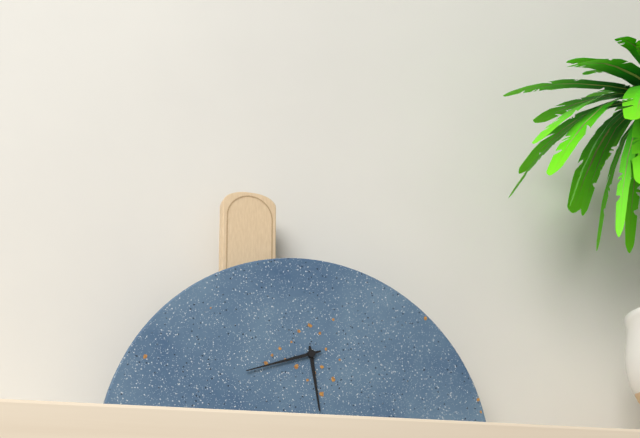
5:42
